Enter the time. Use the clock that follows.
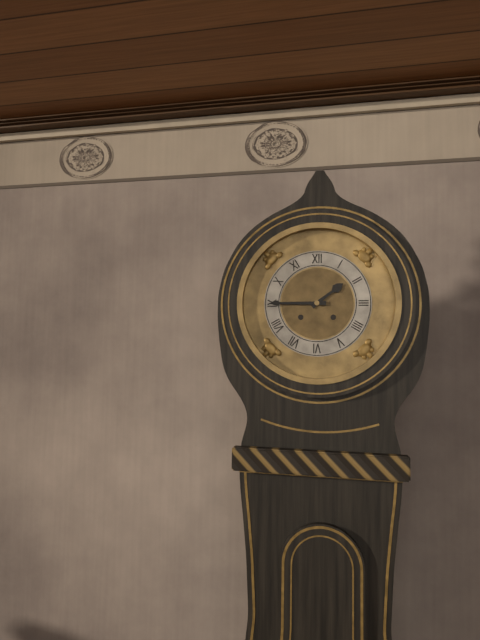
1:45
